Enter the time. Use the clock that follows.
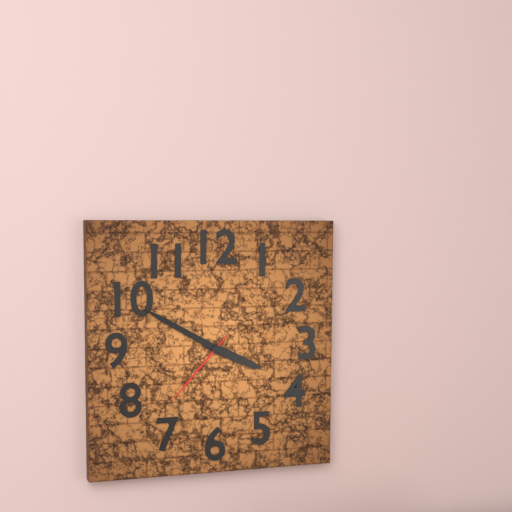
3:50:37
